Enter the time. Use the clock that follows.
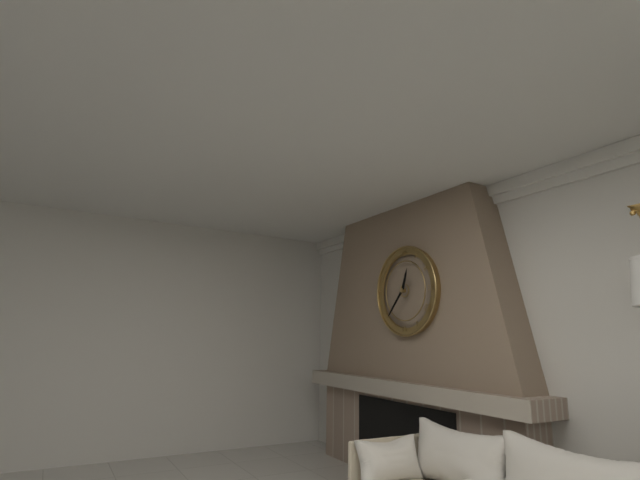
12:37
